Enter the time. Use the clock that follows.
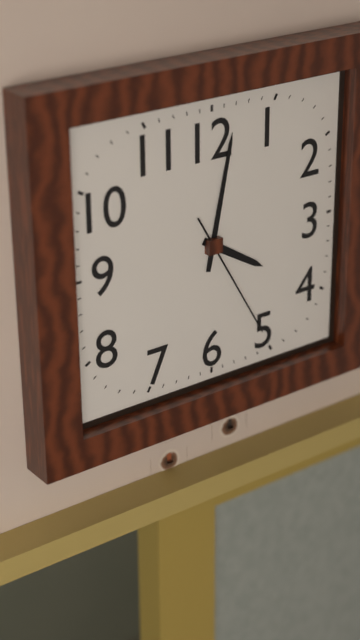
4:02:25
